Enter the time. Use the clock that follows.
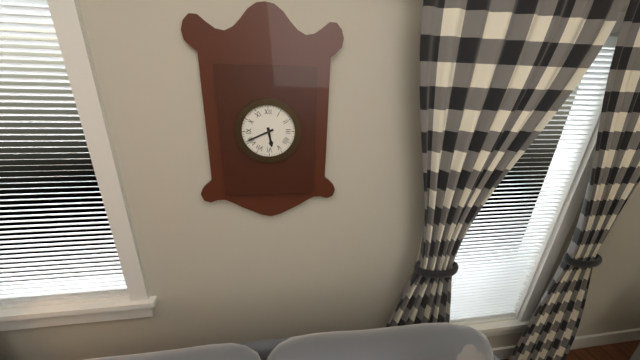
5:41
